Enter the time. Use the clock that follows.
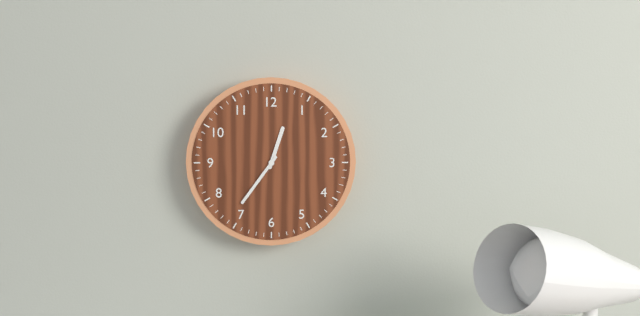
12:36
